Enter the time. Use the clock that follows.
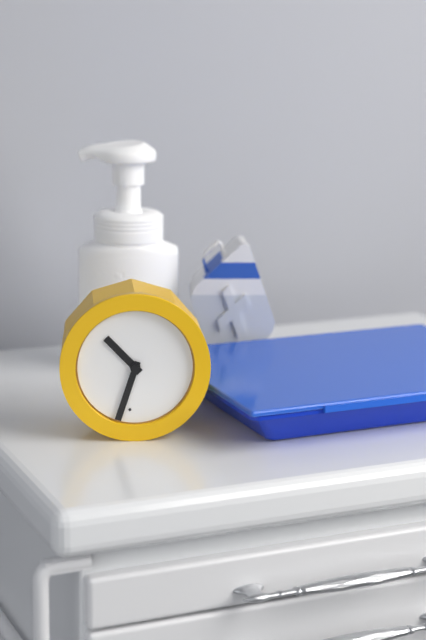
10:33
